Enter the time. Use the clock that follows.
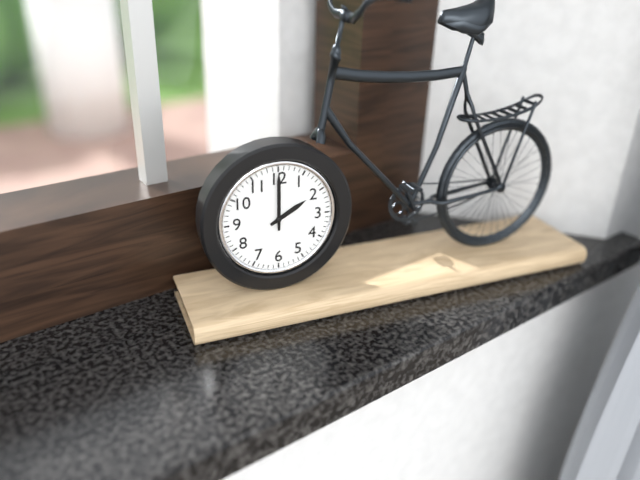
2:00
